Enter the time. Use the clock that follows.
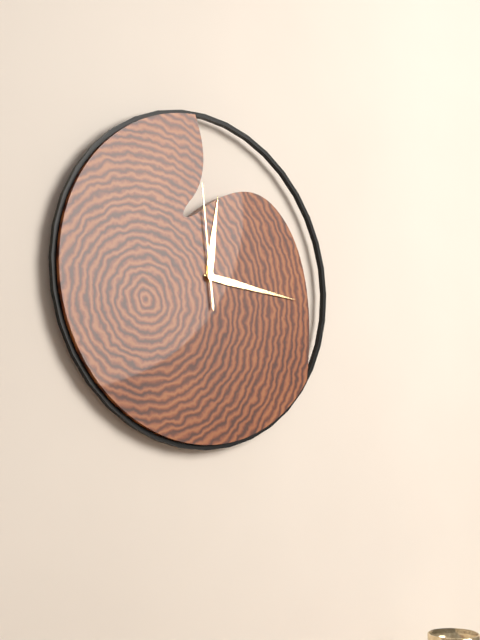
12:16:59
